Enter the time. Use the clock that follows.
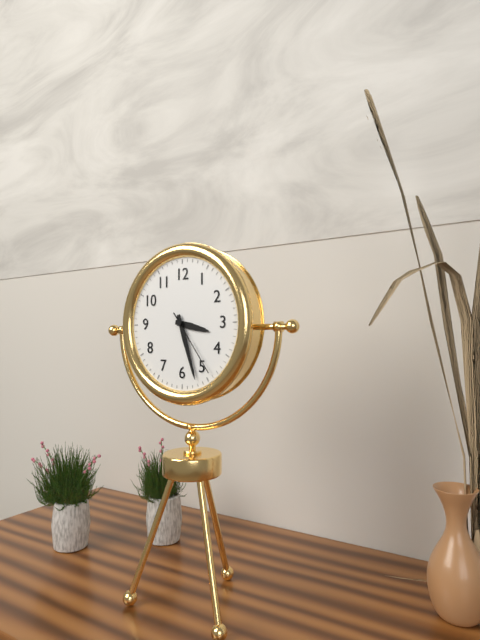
3:27:24
